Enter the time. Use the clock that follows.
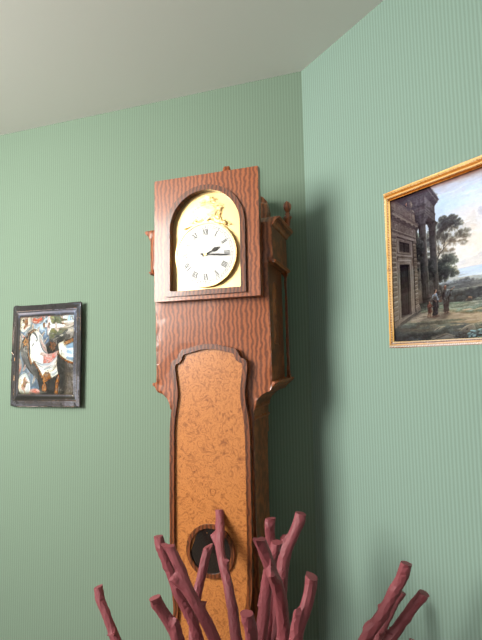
2:16
